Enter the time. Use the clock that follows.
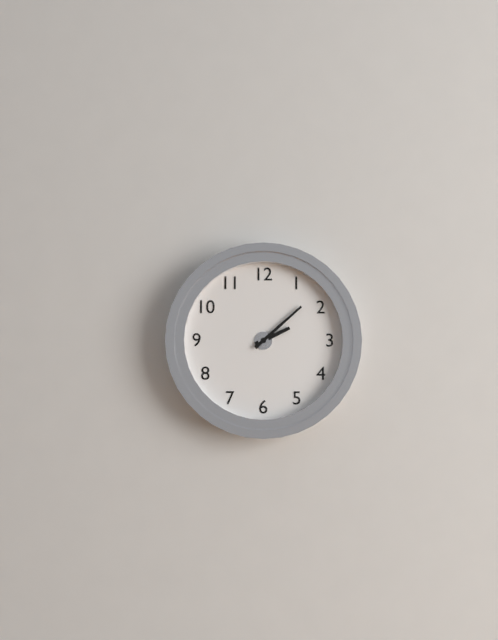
2:08
